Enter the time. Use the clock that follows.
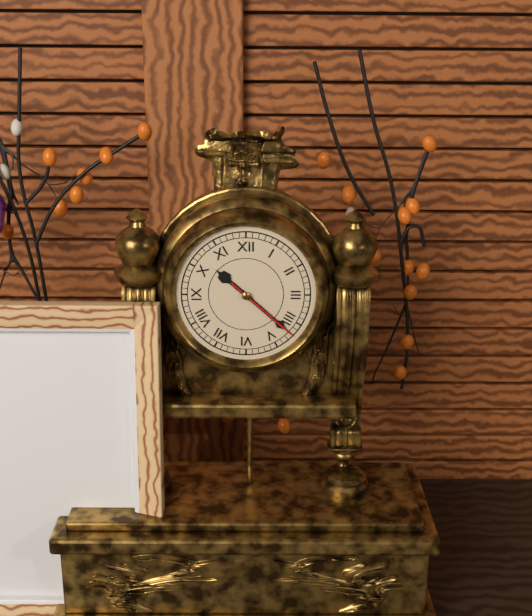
10:22:22
